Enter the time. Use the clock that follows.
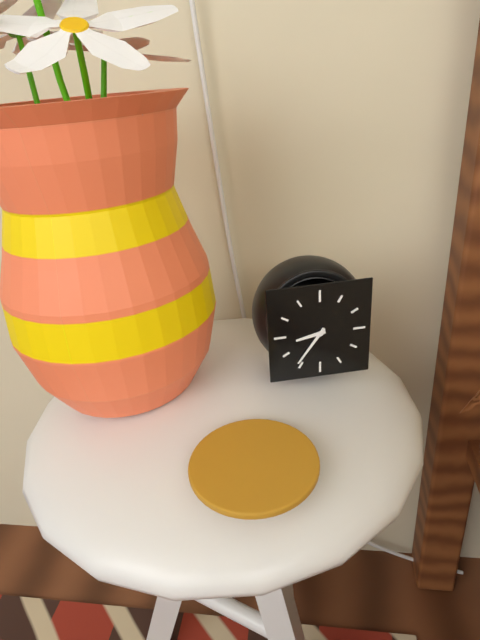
8:36
